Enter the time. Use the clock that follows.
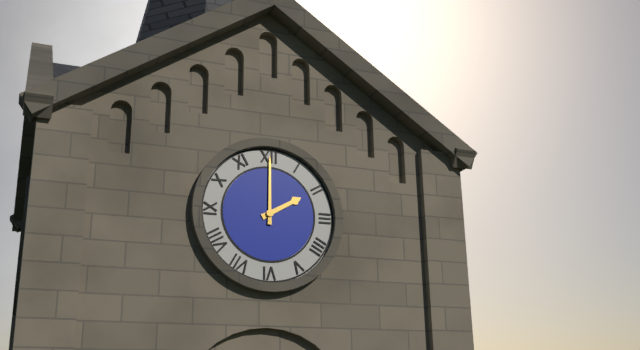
2:00
